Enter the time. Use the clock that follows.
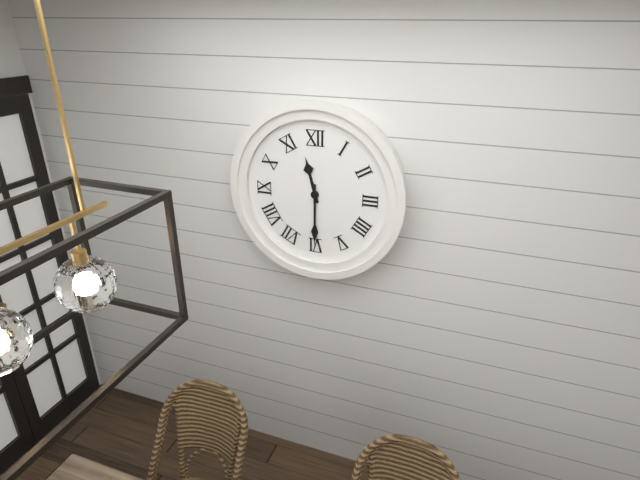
11:30
